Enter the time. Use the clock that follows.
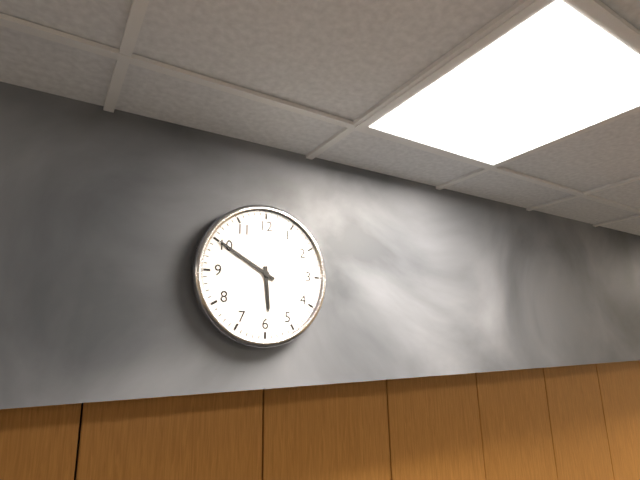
5:50
